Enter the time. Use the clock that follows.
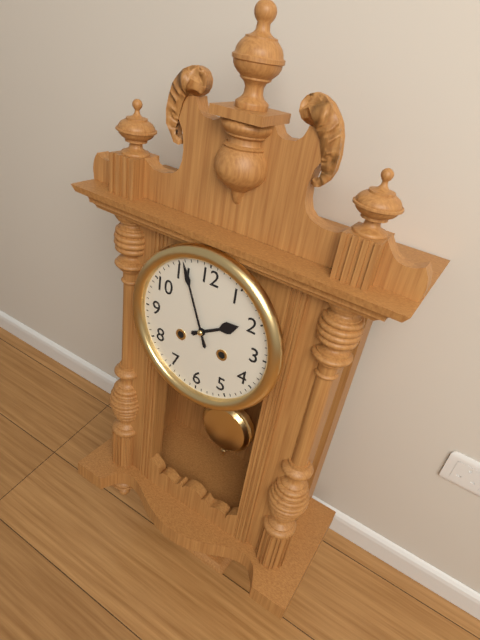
1:56
